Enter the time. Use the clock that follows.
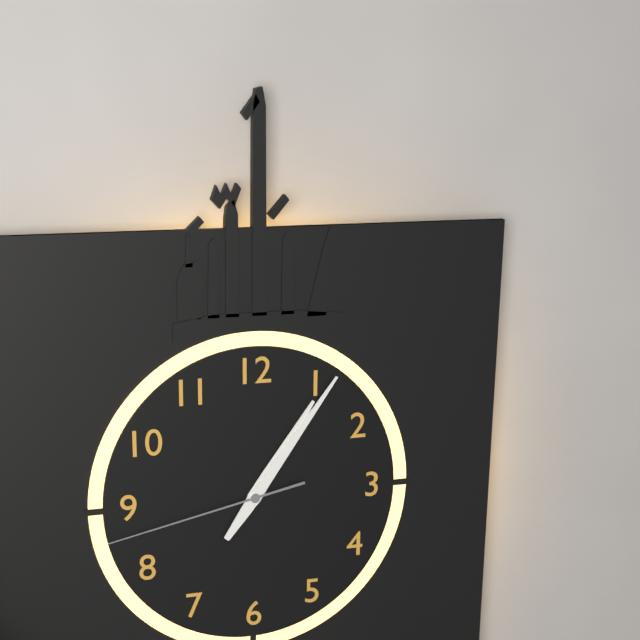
1:06:43
